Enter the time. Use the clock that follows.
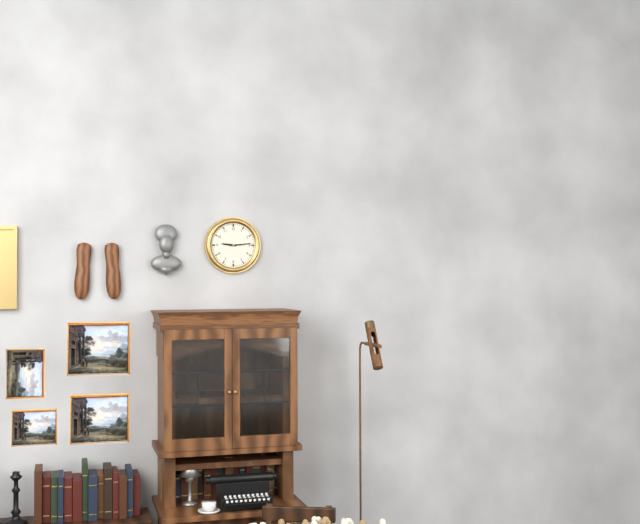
9:14
